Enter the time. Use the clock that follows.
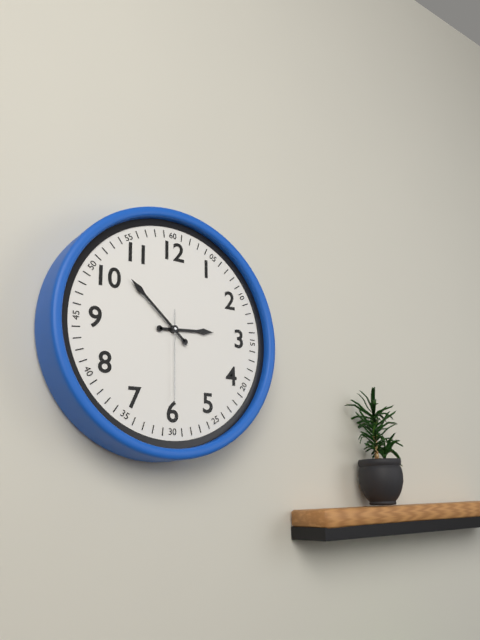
2:52:30
